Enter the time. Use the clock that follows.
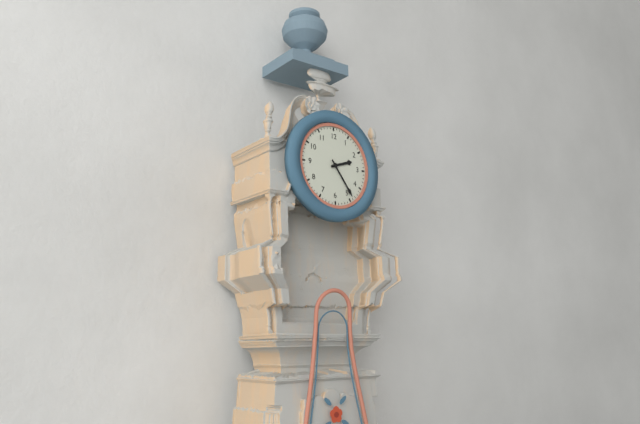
2:24
